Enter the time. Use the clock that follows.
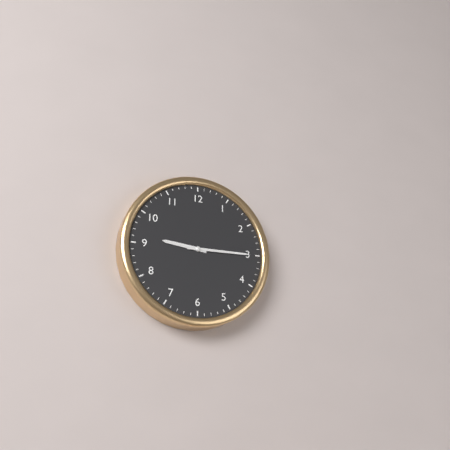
9:15
